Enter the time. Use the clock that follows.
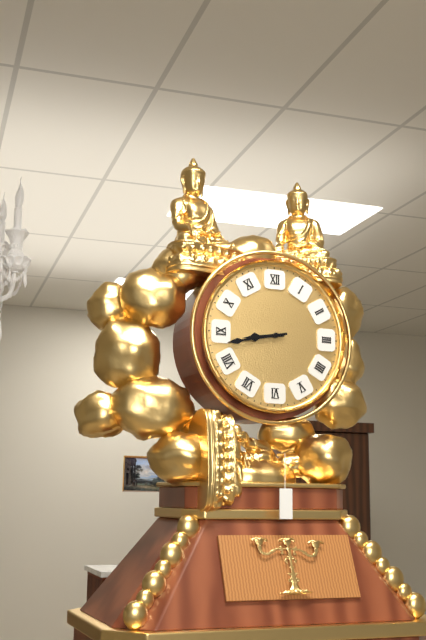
8:43
